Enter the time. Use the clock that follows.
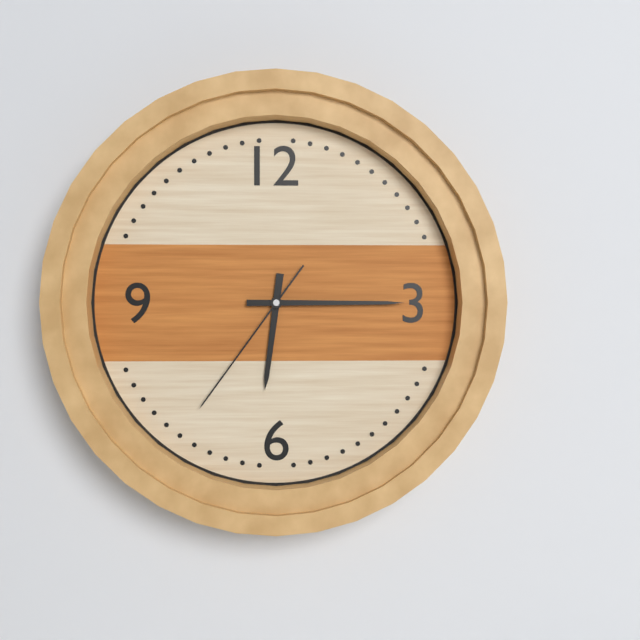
6:15:36
